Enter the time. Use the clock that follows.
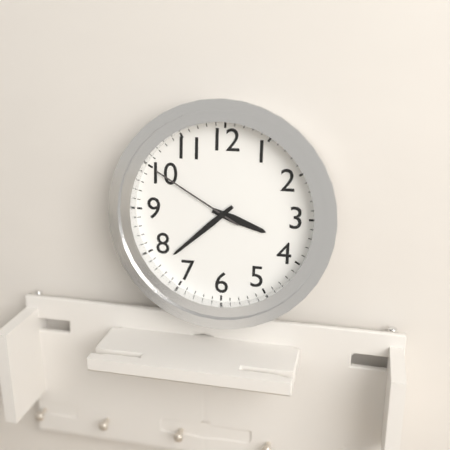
3:38:50
